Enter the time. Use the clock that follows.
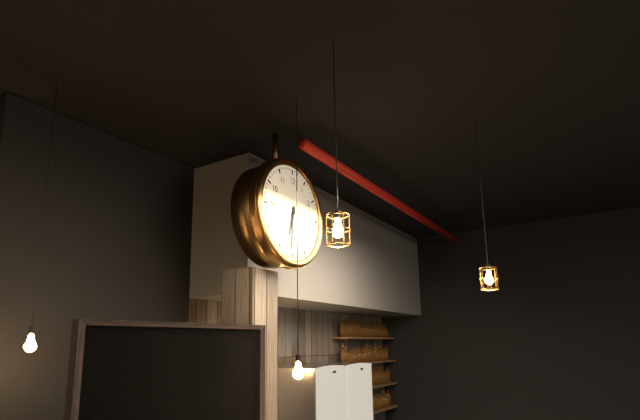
6:31
